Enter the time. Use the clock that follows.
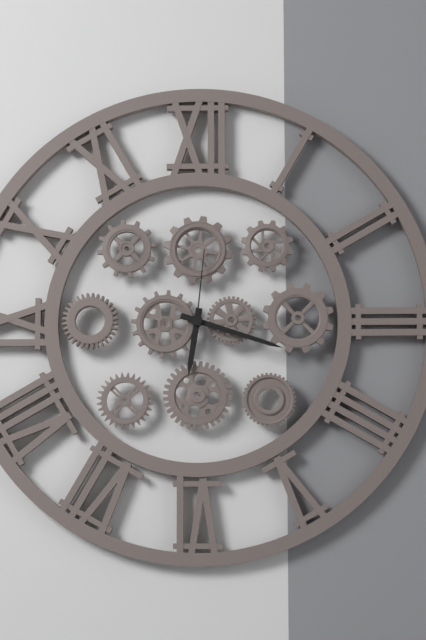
6:18:01
